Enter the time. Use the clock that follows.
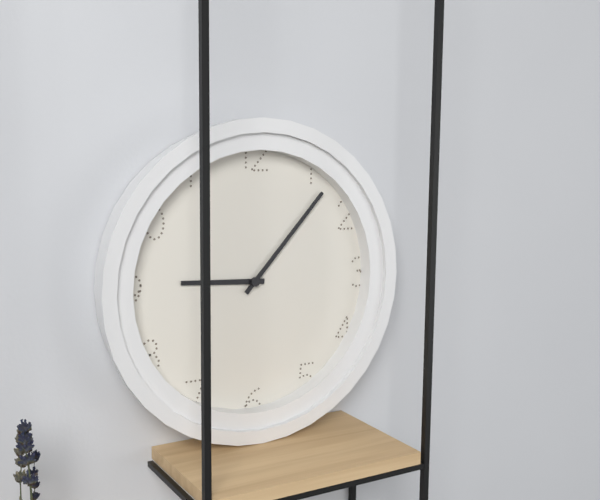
9:07
